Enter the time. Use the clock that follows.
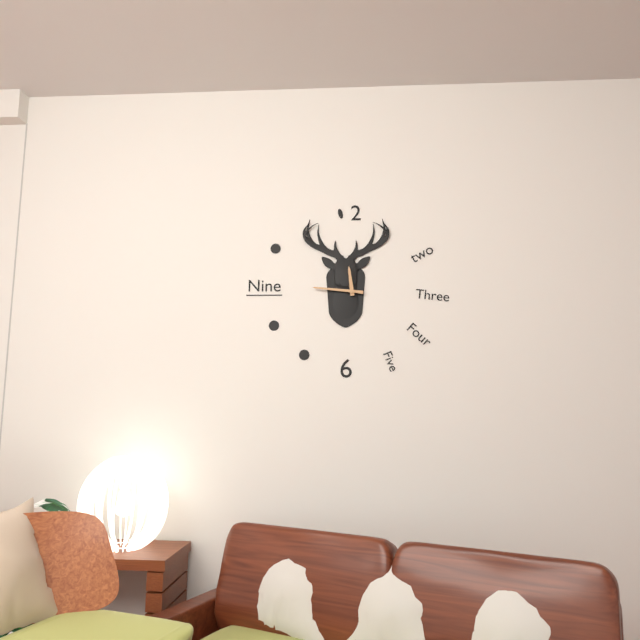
11:46
